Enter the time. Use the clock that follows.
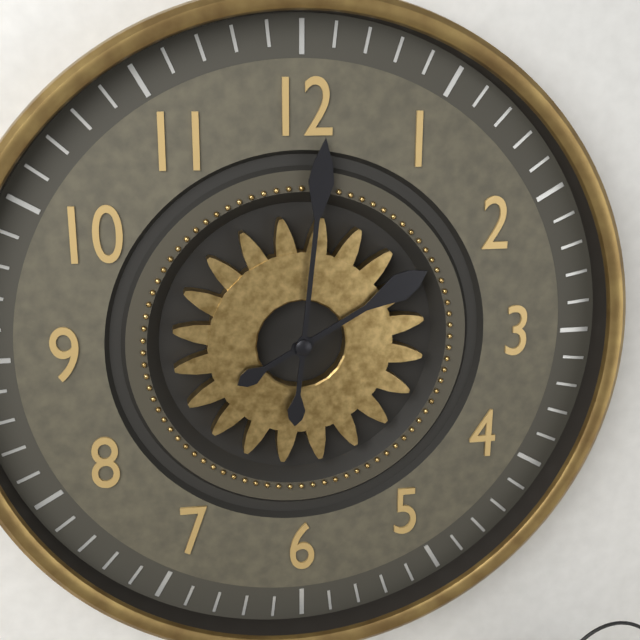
2:01
